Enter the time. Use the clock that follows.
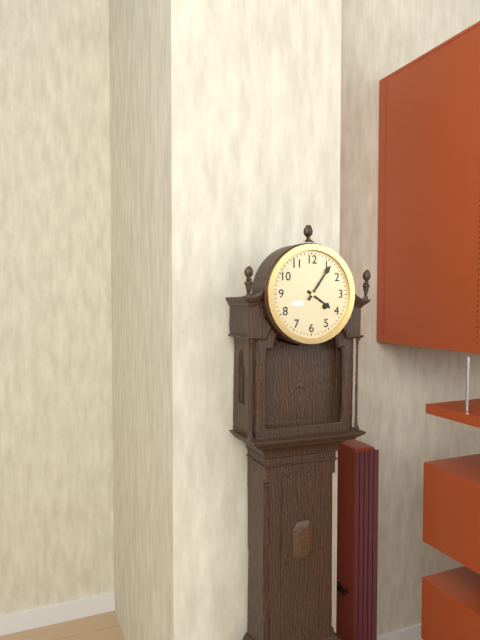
4:06
